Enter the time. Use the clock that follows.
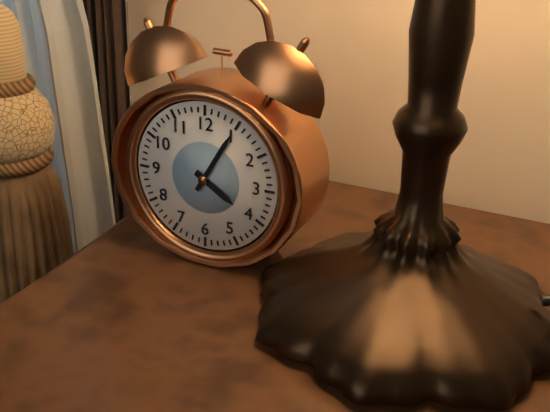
4:05
